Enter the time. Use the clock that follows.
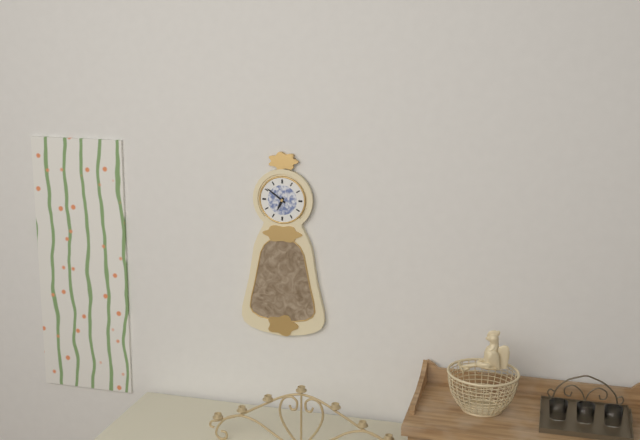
6:51
